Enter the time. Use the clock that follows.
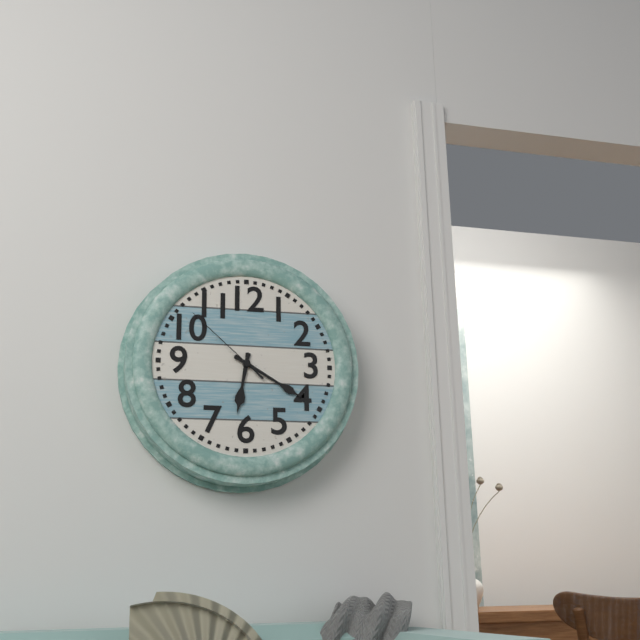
6:20:52
